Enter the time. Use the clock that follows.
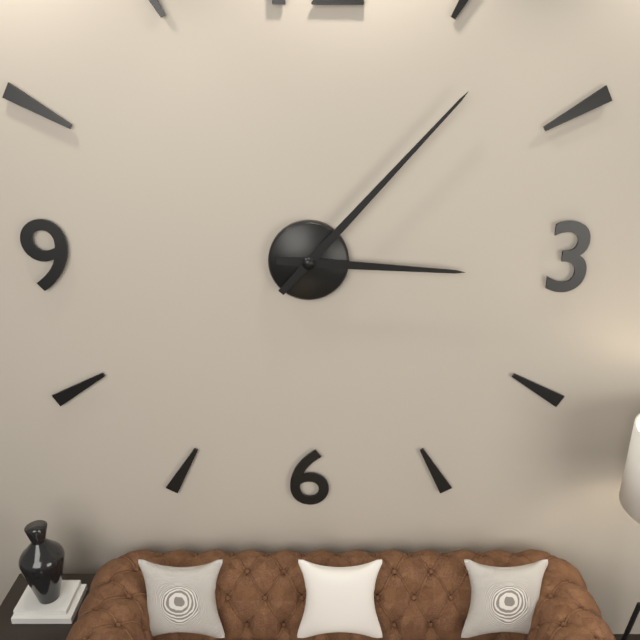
3:07
